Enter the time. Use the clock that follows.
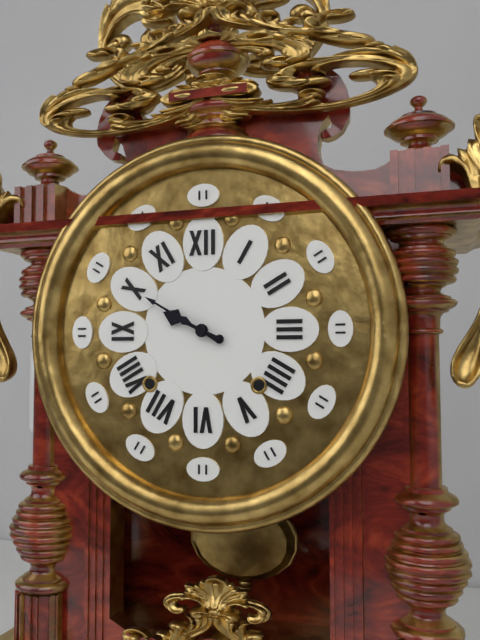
9:50
